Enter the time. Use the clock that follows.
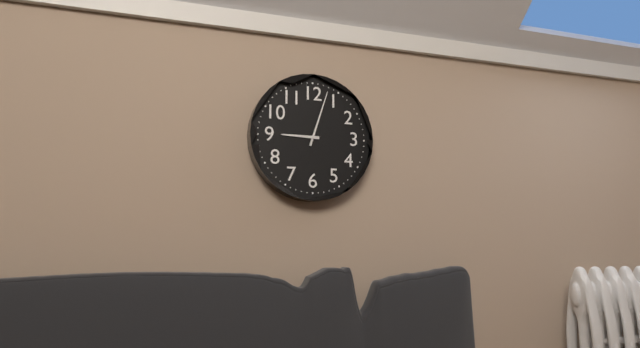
9:03
